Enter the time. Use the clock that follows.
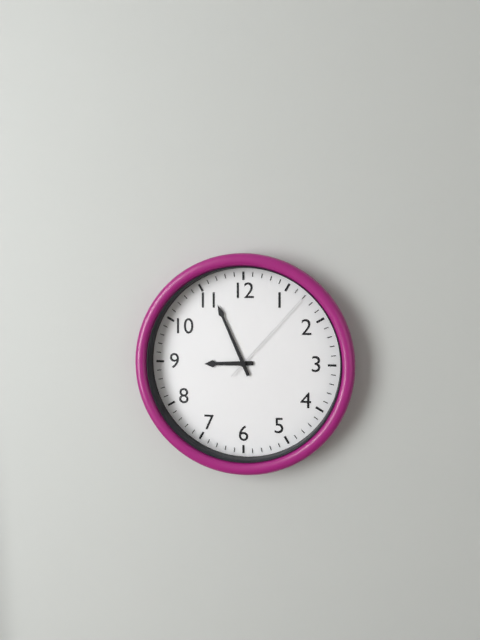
8:56:07
